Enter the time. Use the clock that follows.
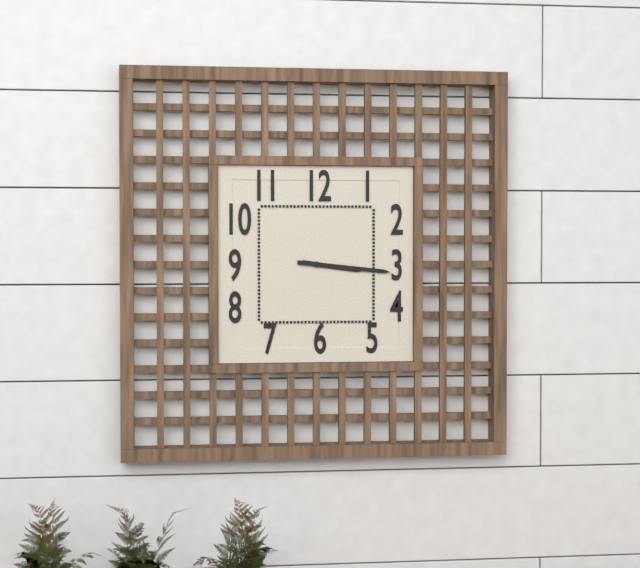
3:16
